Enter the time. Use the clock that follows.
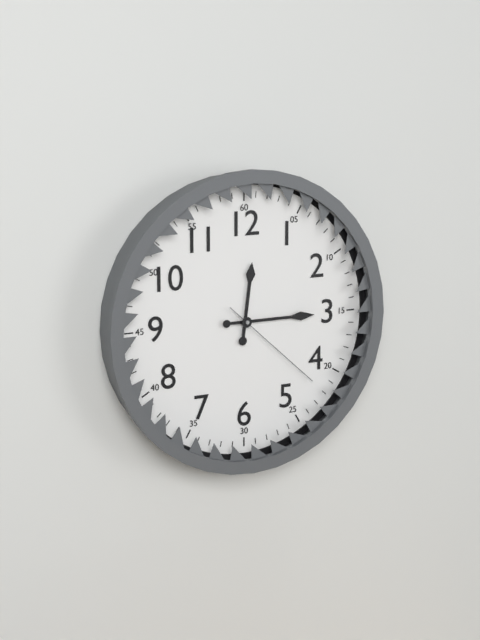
12:15:22
